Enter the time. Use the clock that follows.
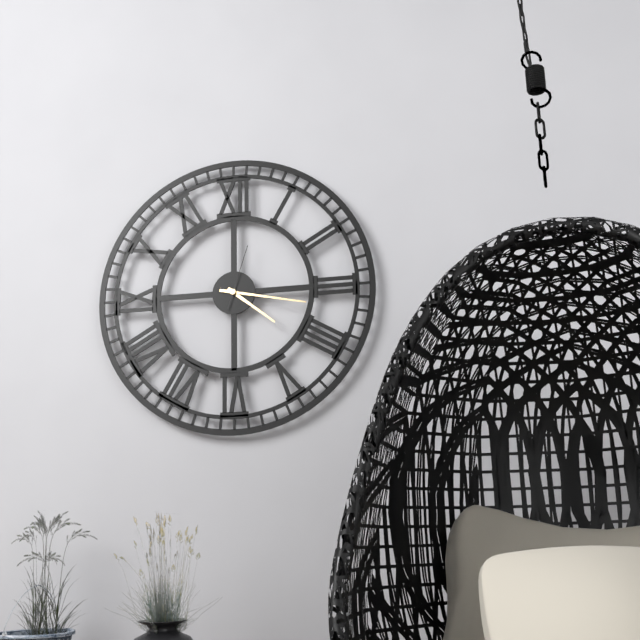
4:17:03
